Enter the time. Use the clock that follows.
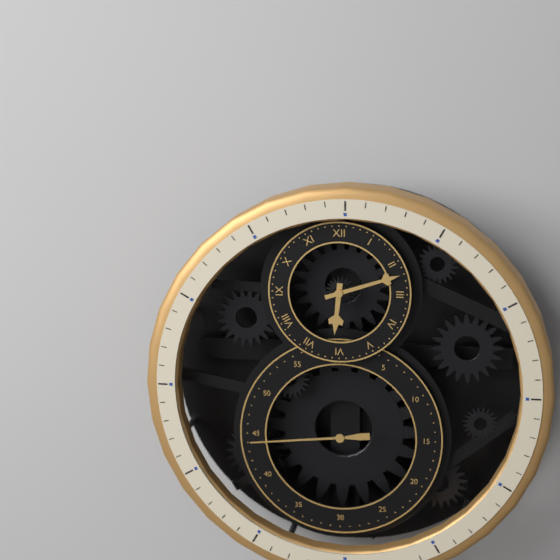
6:12:44
